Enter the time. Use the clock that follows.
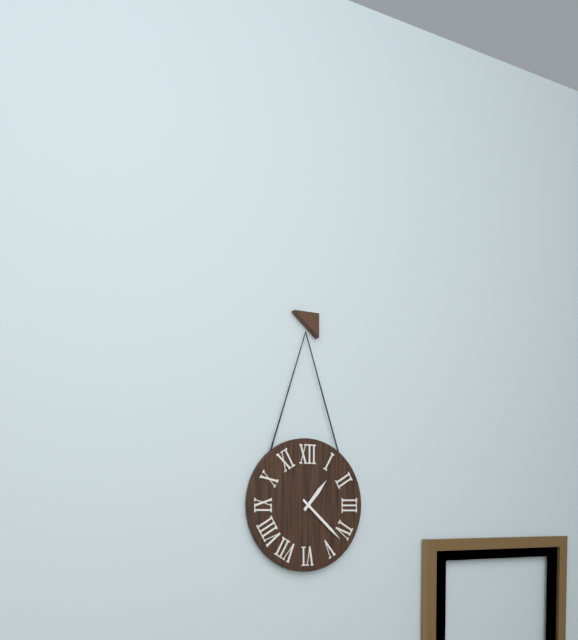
1:22
